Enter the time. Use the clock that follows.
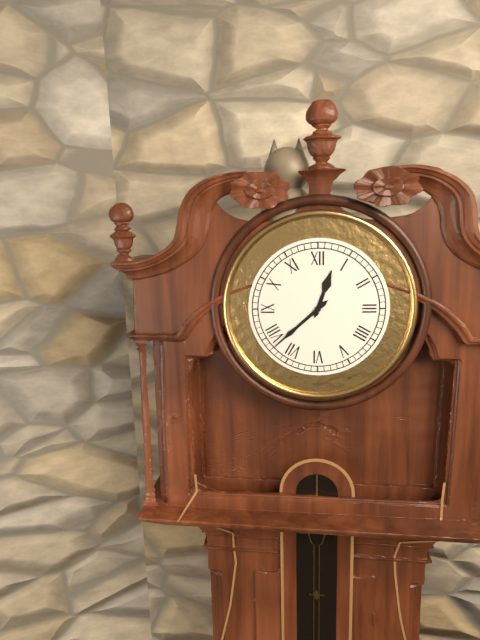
12:38
